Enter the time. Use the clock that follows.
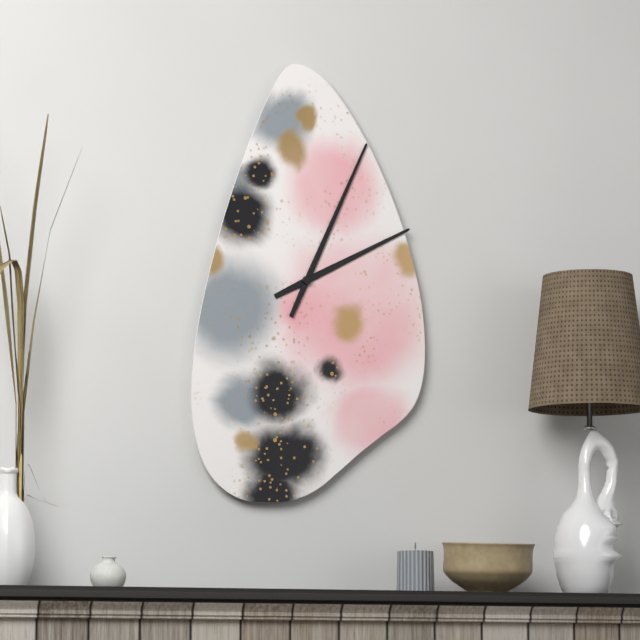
2:04
